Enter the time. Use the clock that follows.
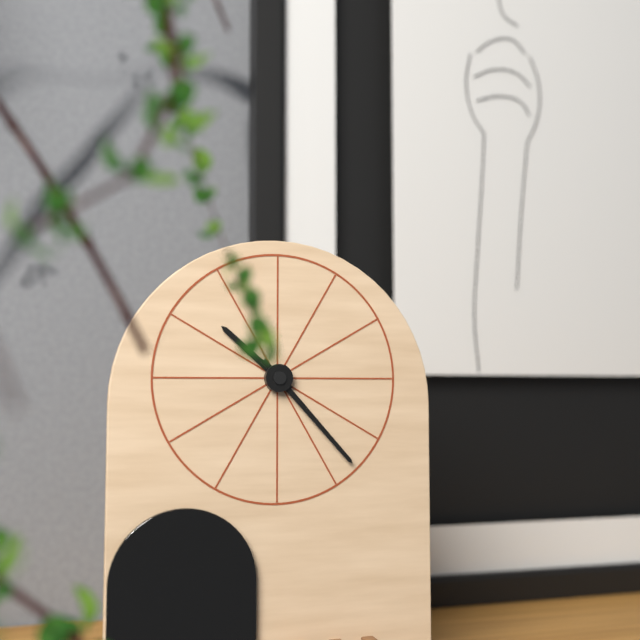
10:23
